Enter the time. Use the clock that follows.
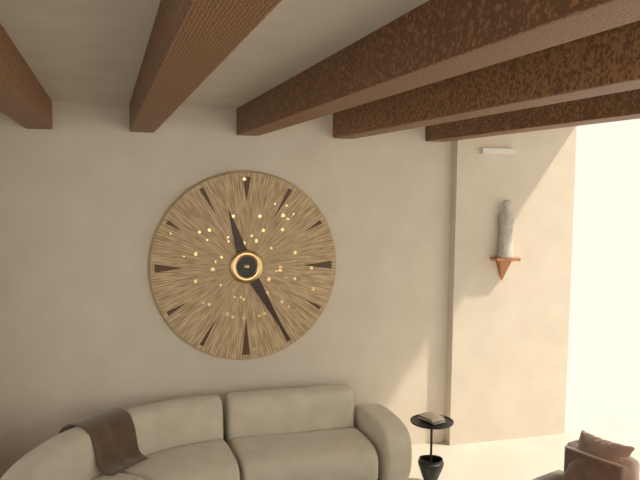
11:25
